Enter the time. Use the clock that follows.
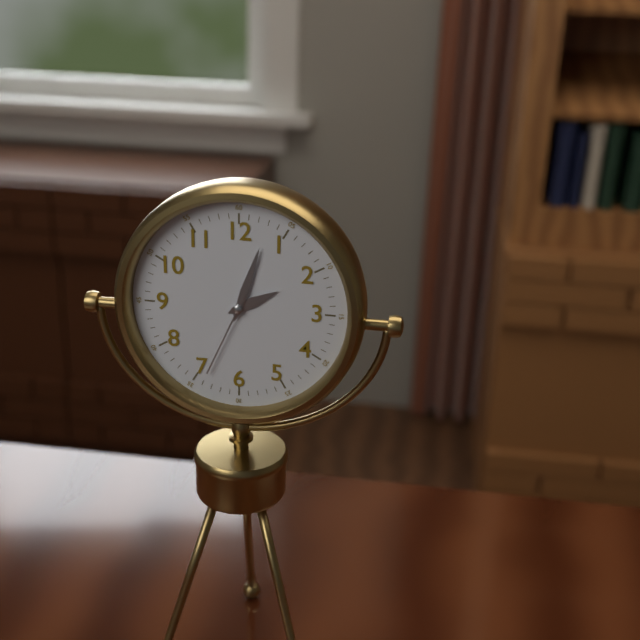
2:03:34
